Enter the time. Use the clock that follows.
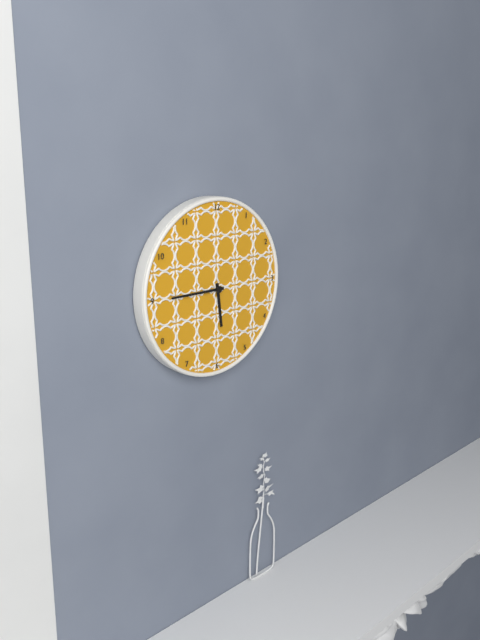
5:45
